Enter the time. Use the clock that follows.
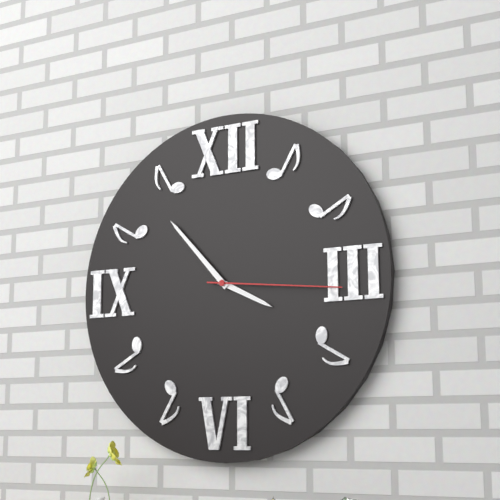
3:53:16
